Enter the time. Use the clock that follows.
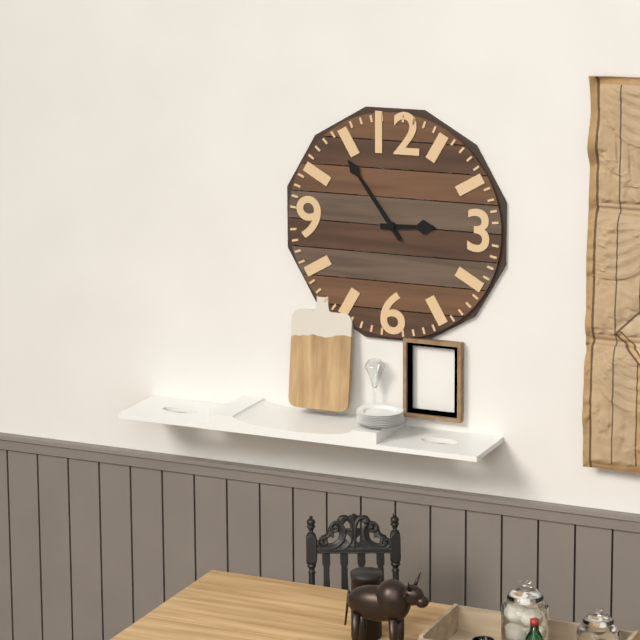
2:54
